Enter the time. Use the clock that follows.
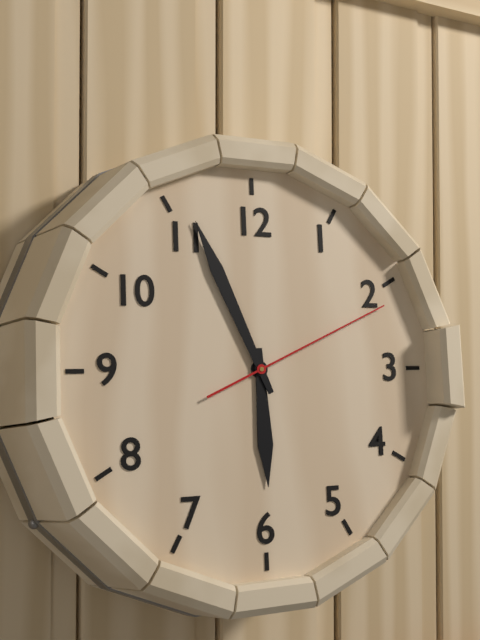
5:56:11
